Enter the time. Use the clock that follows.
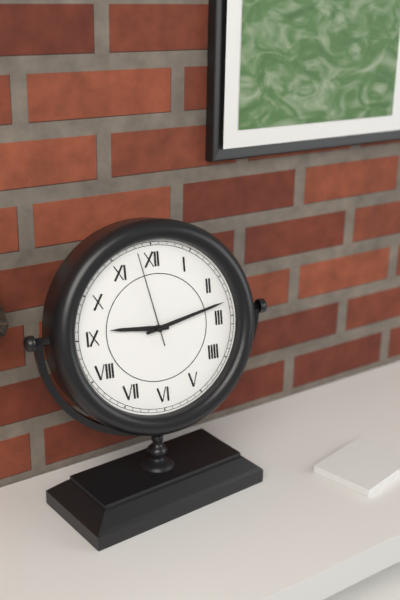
9:13:58
